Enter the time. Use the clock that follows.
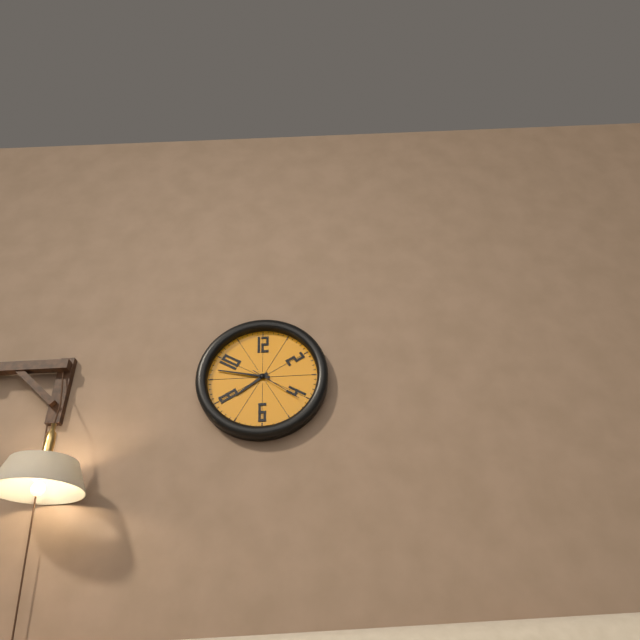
7:47:21
